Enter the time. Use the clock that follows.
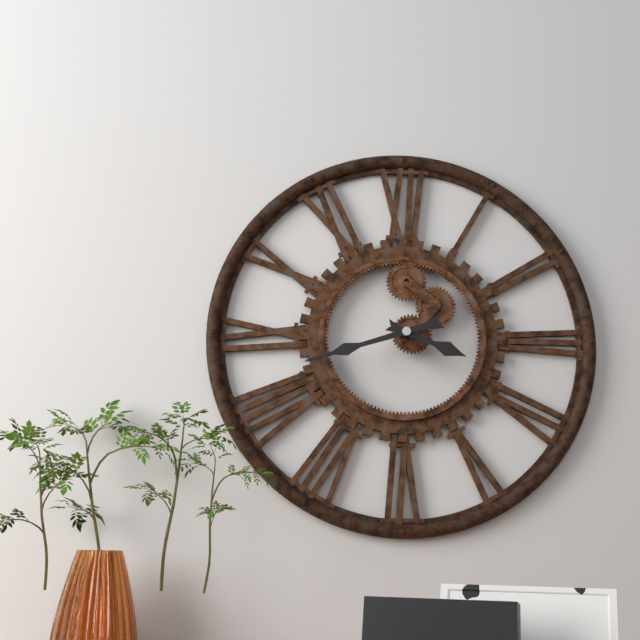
3:42
